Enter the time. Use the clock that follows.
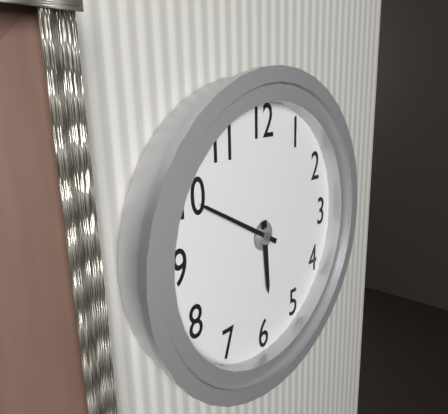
5:50
